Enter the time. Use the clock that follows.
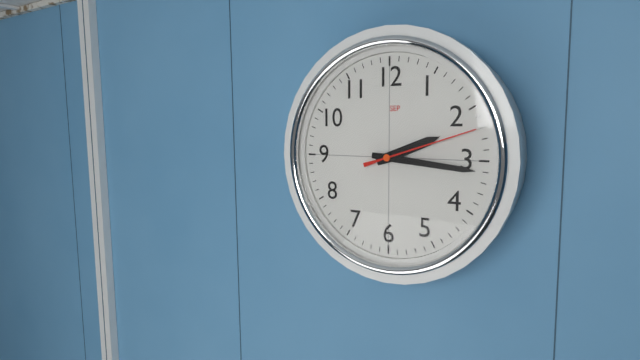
2:16:12
